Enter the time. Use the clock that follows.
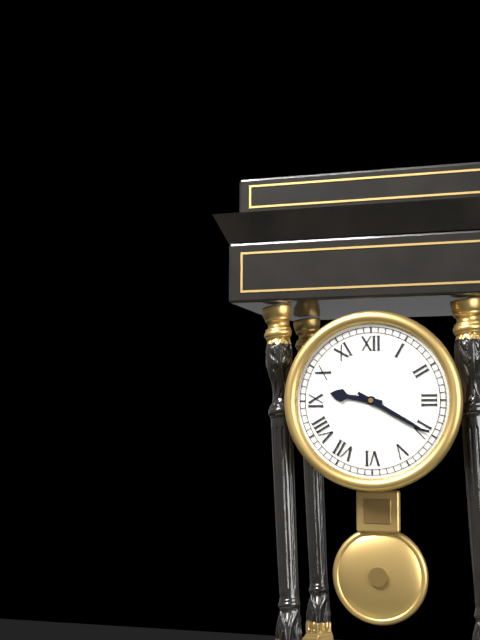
9:20
